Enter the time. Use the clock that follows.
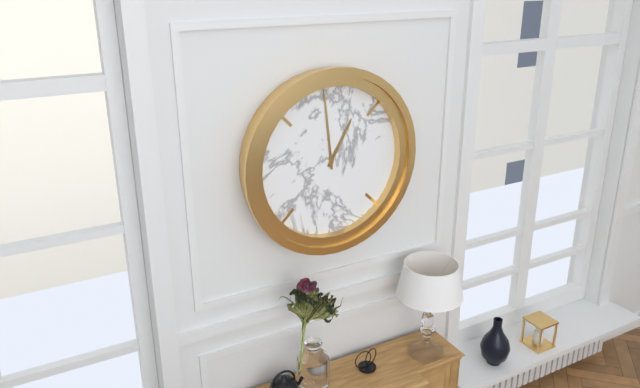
12:59
